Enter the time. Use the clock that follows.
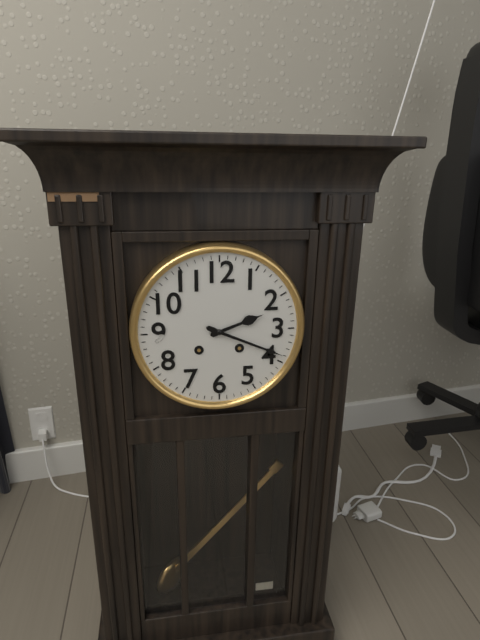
2:19
